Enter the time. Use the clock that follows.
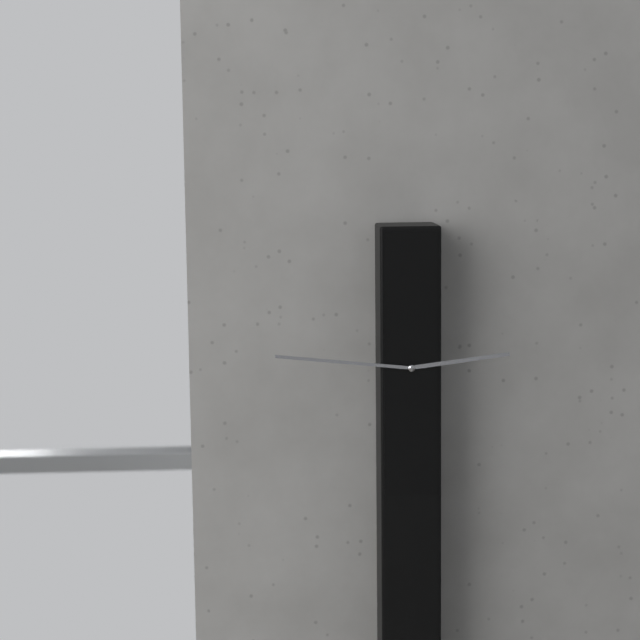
2:46
